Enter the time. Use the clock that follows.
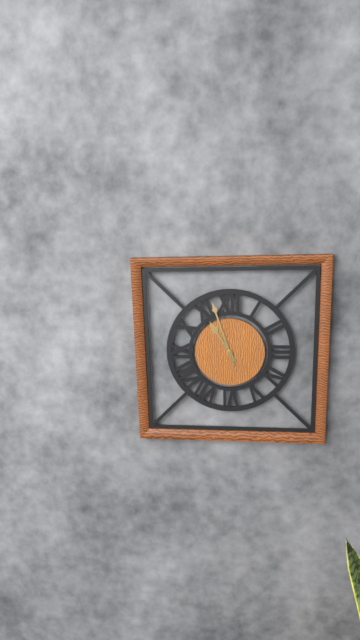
10:57
